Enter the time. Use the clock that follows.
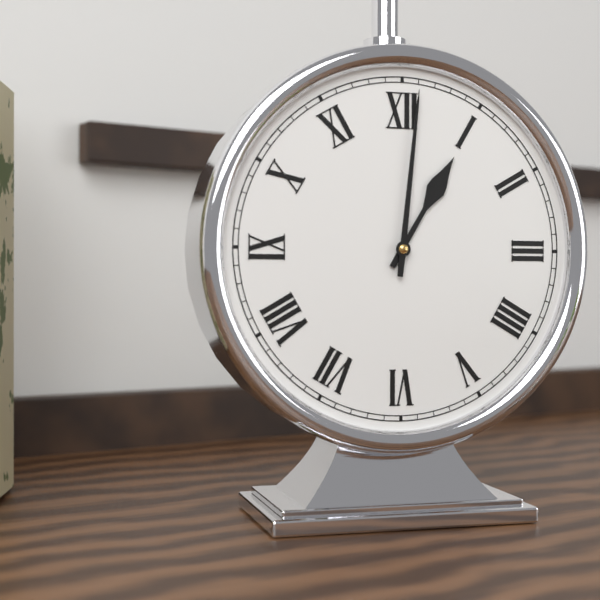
1:01
